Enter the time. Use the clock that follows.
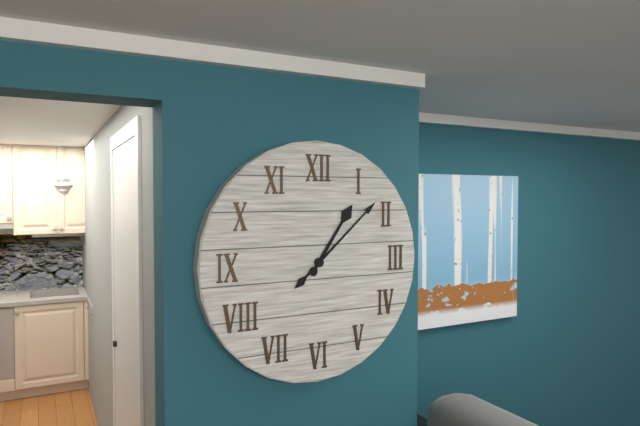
1:08
